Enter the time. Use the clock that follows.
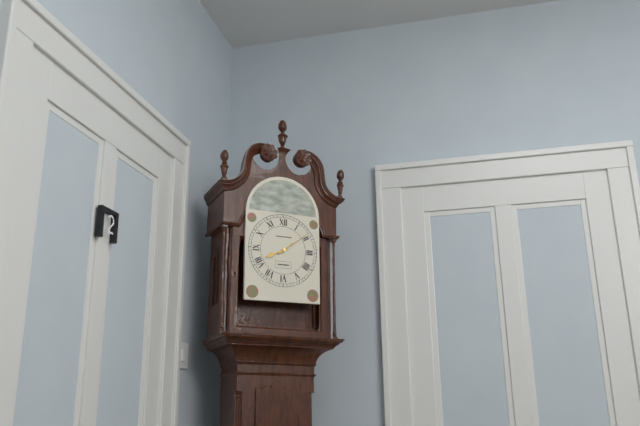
8:09
